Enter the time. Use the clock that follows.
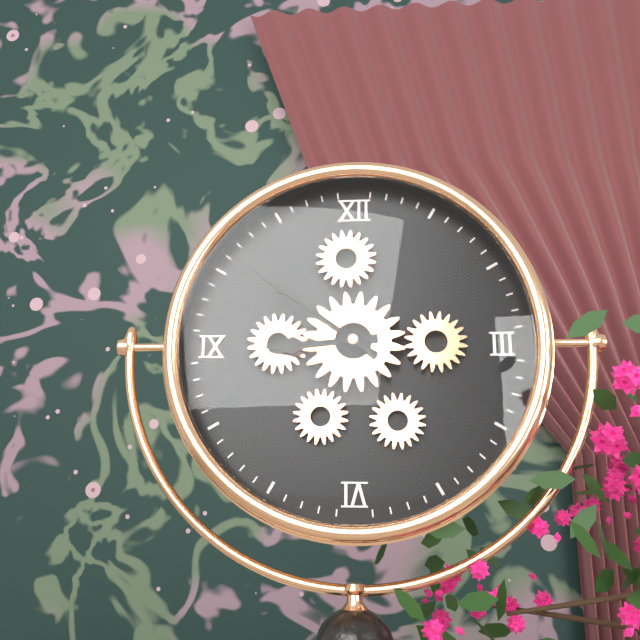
8:51
